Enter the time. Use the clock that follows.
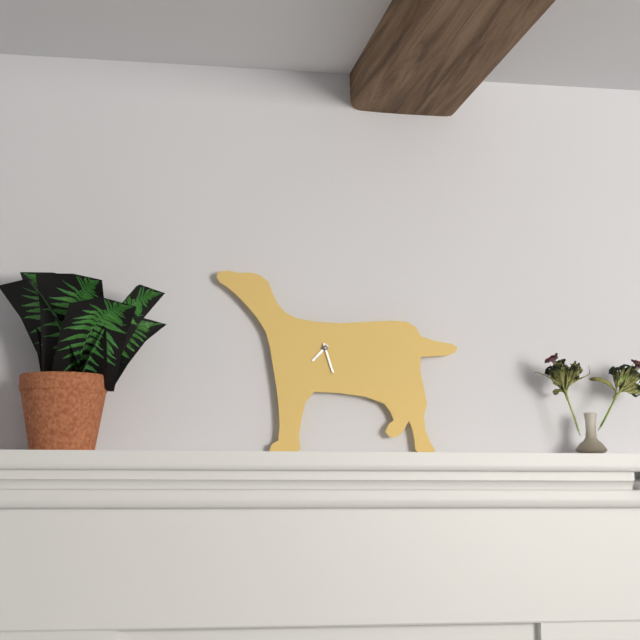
7:27
